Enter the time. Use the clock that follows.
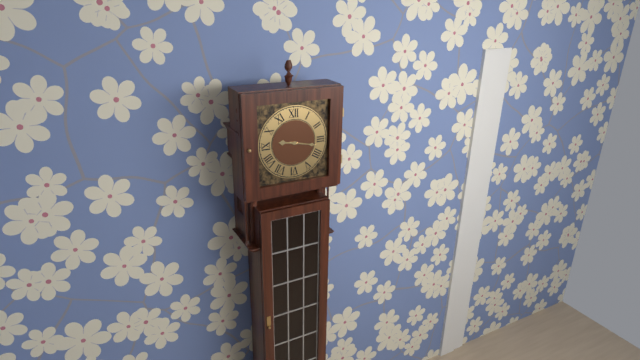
9:17
